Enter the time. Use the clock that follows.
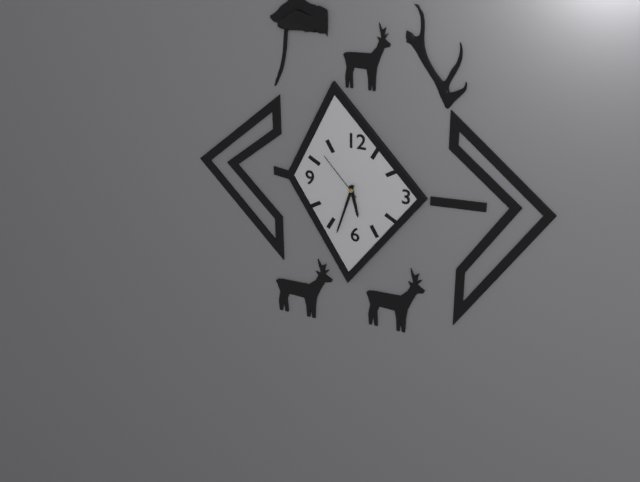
5:33:53
